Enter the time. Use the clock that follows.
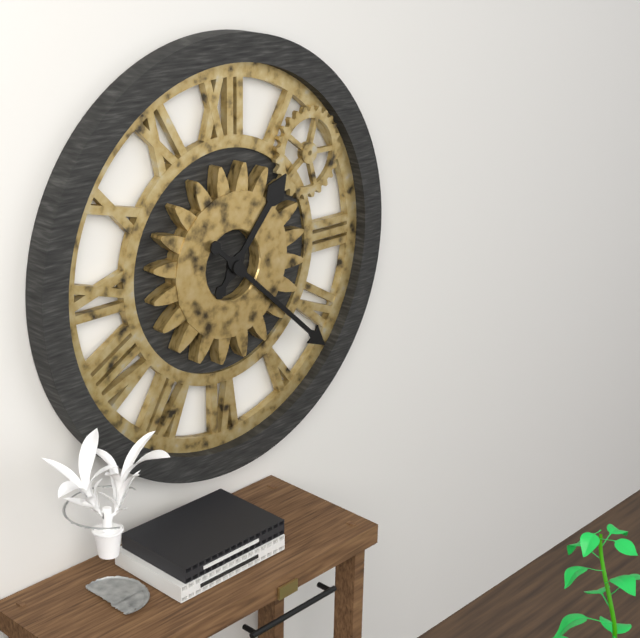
1:22
